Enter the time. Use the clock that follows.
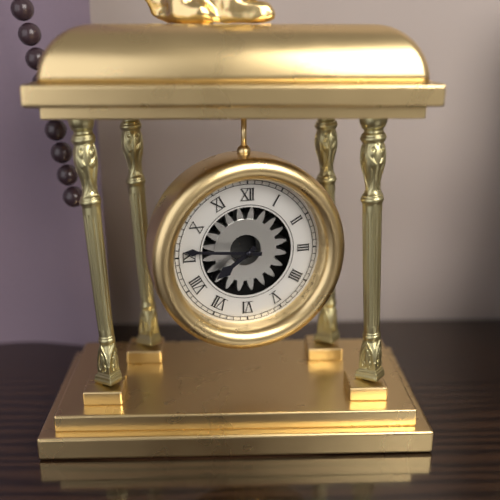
7:46
